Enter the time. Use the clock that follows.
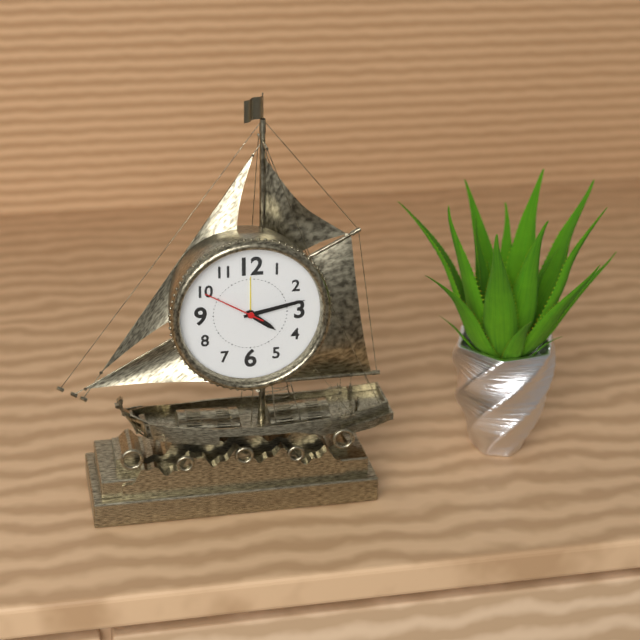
4:13:50
